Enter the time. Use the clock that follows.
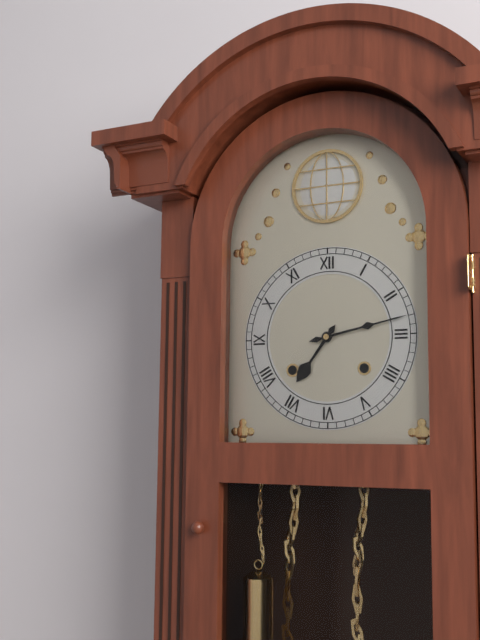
7:13
